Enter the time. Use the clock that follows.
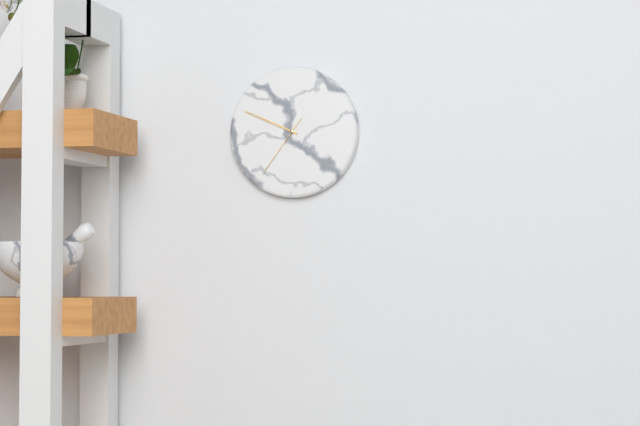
9:49:36
